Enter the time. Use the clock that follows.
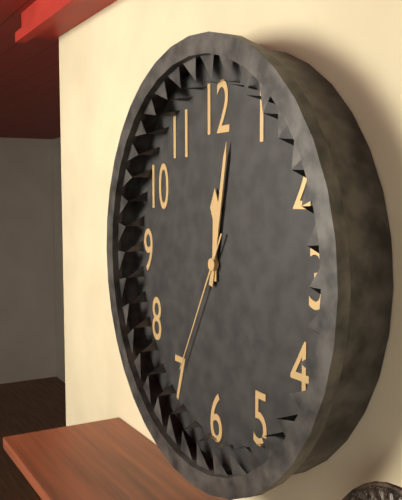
12:02:35
